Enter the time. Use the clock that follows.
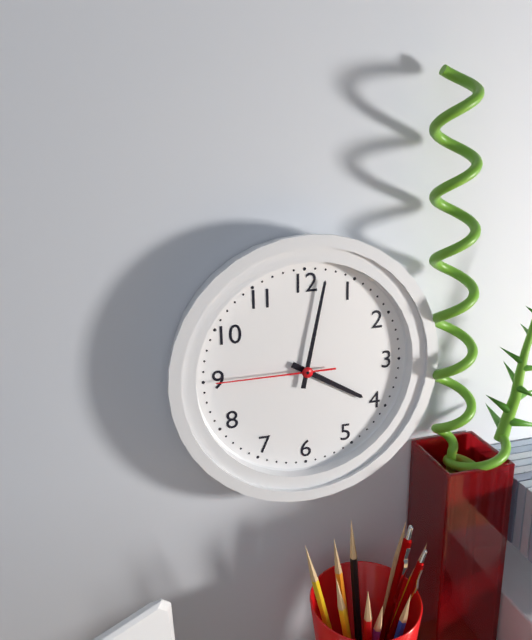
4:02:45
